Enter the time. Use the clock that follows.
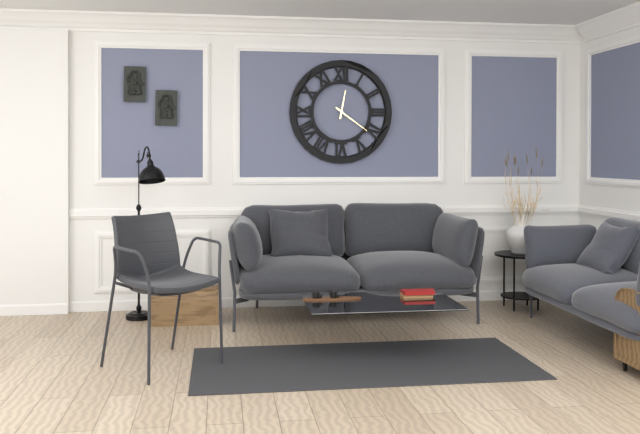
12:21
